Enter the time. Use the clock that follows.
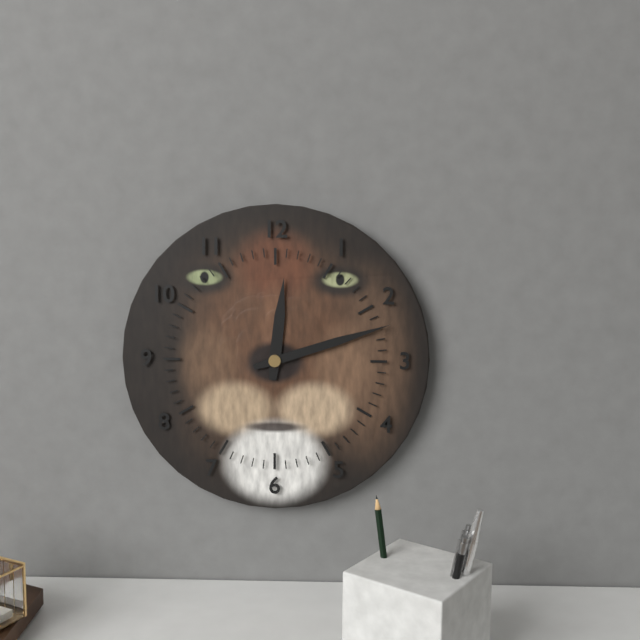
12:12
